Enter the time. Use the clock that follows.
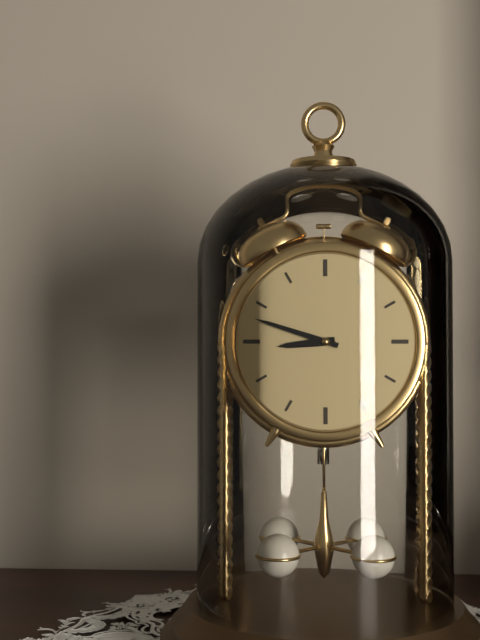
8:48
